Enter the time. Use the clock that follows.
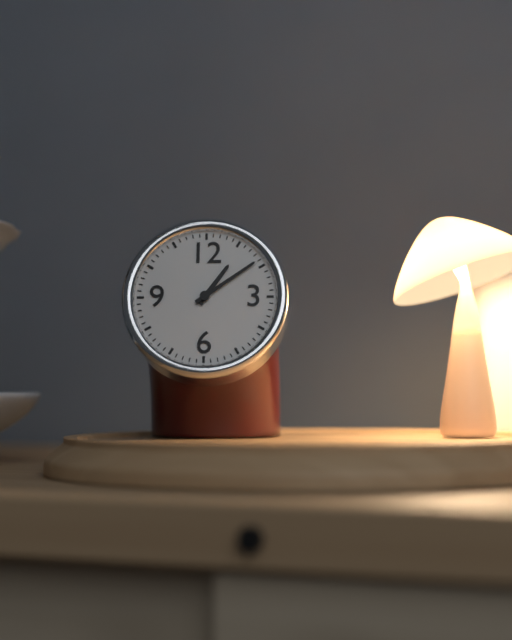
1:09
